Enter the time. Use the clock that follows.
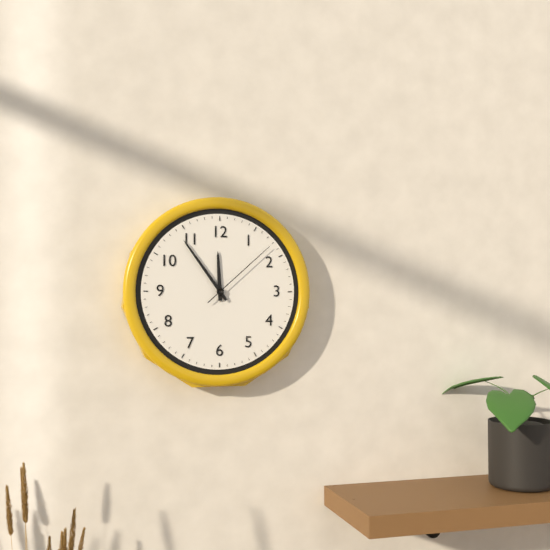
11:54:08
